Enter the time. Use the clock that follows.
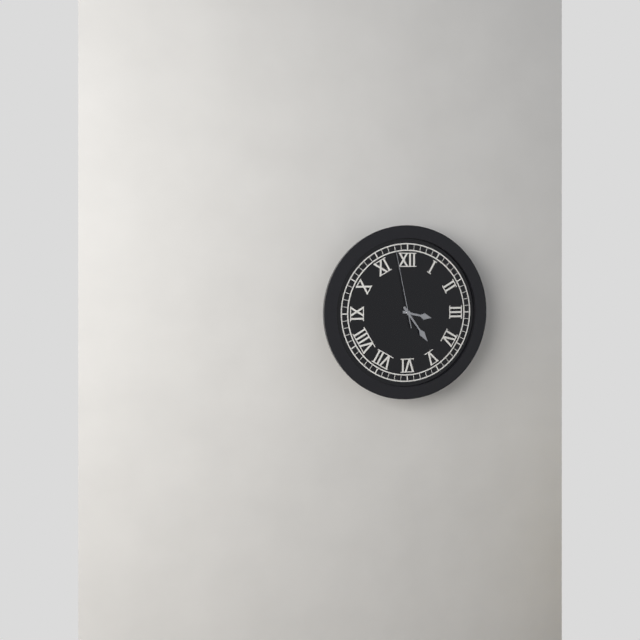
3:24:58
